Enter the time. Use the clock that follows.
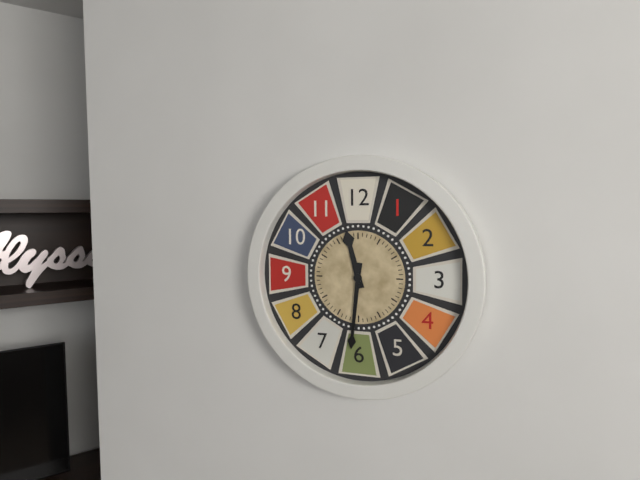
11:31
